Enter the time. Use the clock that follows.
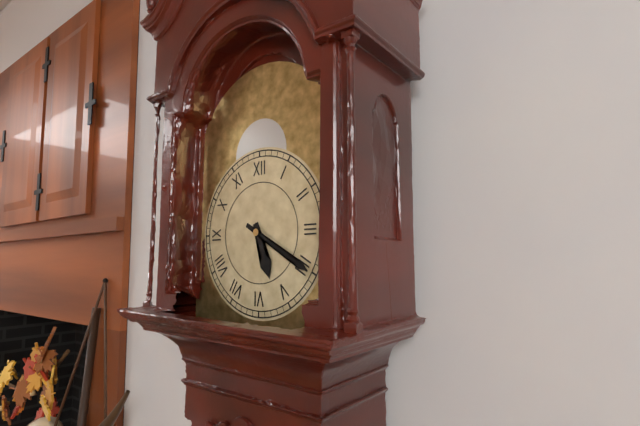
5:20
